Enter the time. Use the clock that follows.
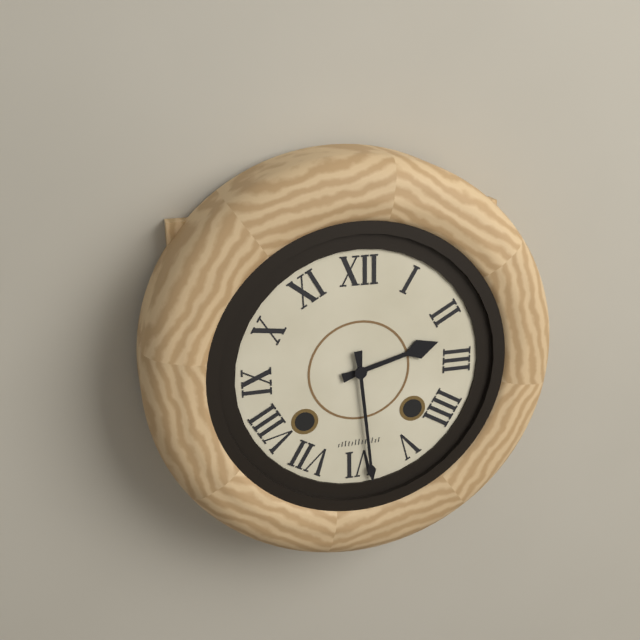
2:29
